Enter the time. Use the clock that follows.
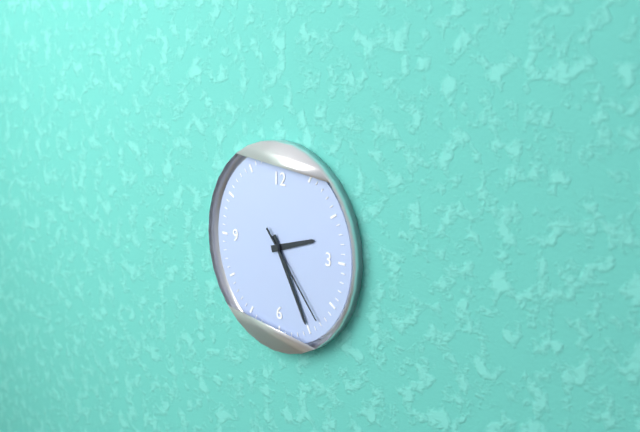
2:25:23
